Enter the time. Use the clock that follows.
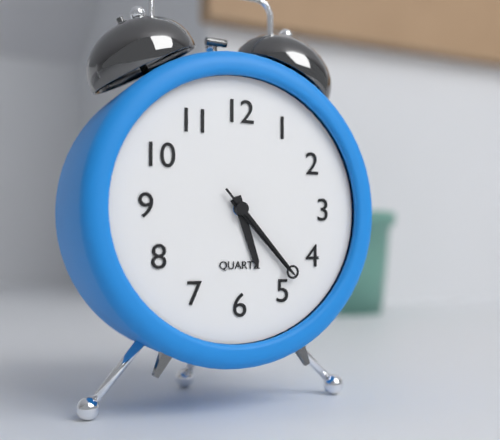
5:23:23
